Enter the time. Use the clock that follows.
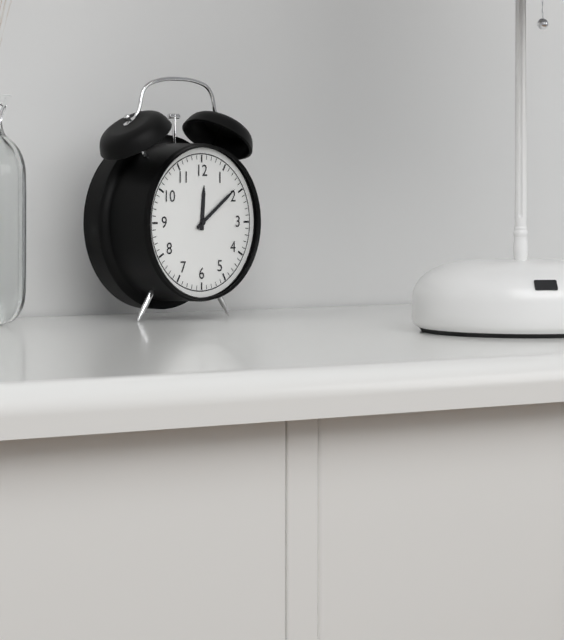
12:09
